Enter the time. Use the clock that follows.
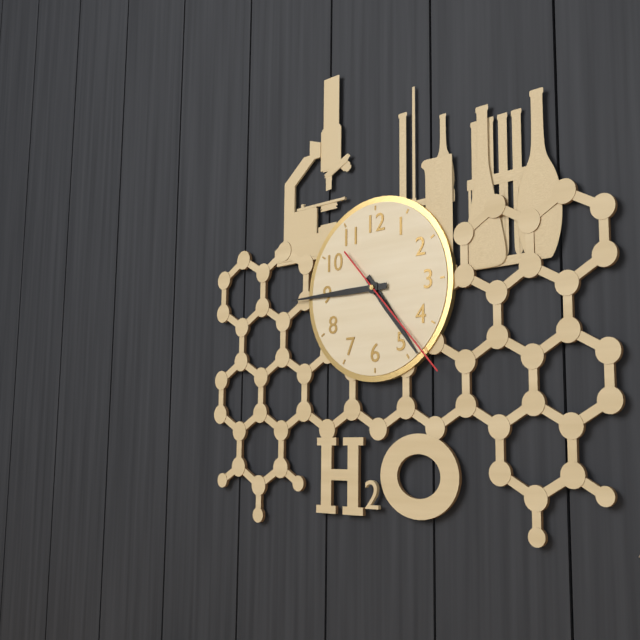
4:45:23
